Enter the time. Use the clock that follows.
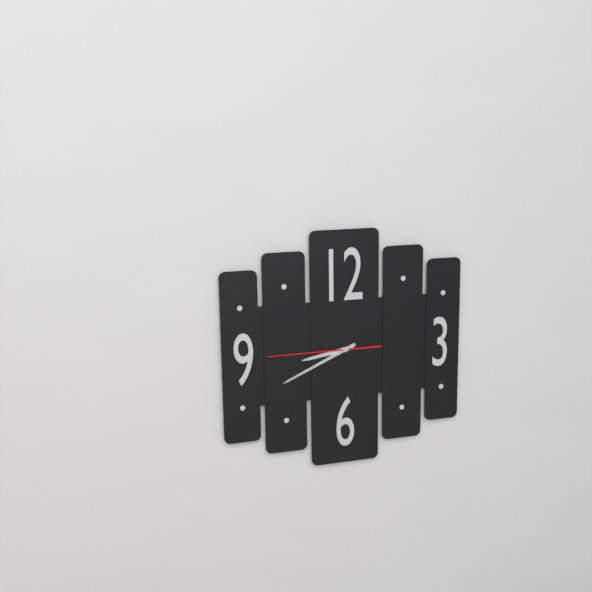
8:41:45
